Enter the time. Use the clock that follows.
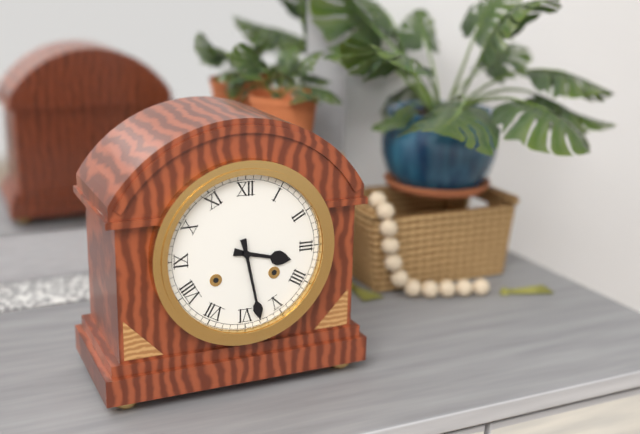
3:28
